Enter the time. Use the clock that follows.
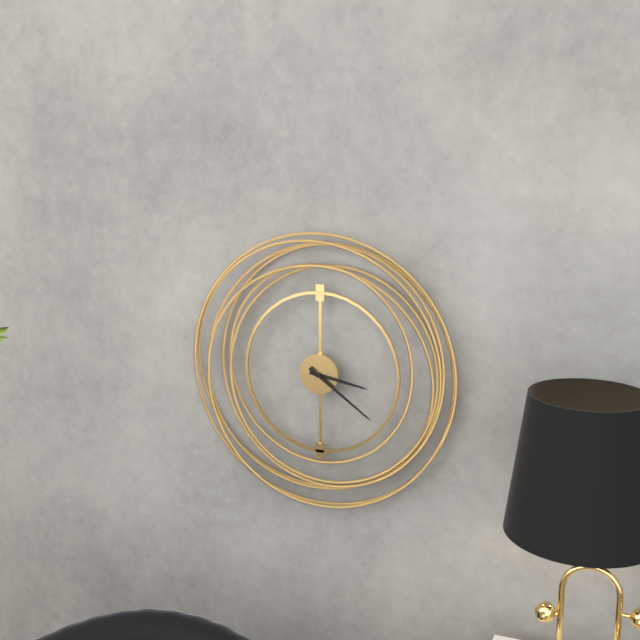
3:21
